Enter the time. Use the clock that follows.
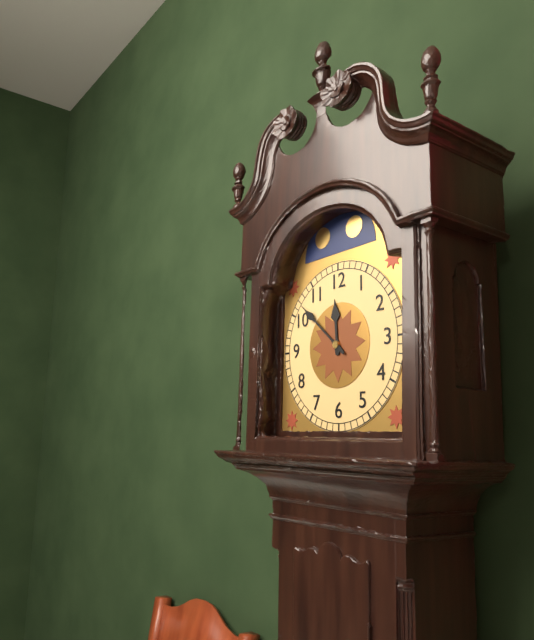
11:52
